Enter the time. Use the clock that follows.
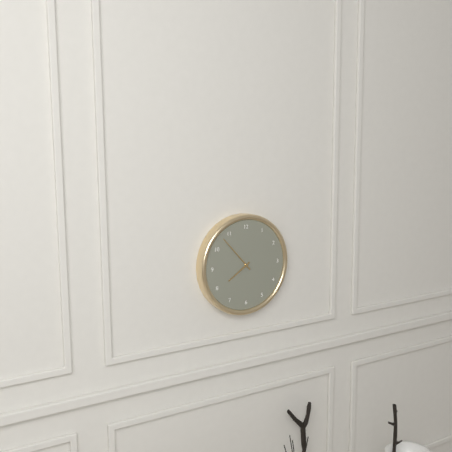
7:53
